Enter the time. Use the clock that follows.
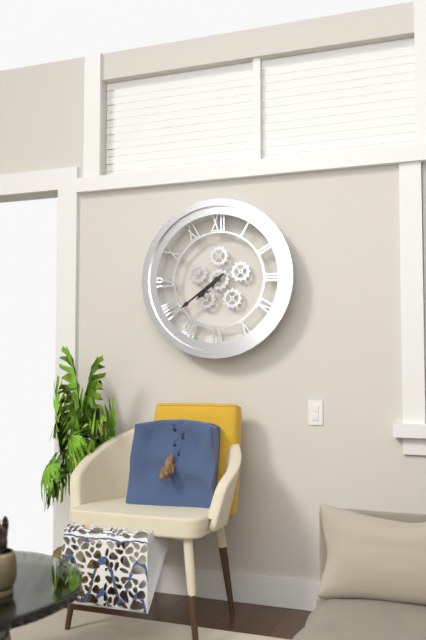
7:39
